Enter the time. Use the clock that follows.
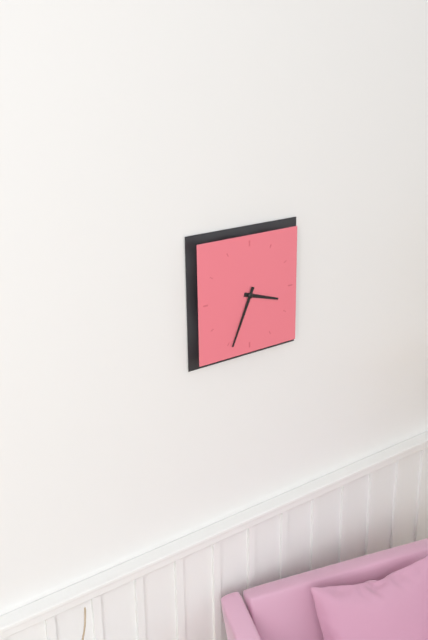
3:34
